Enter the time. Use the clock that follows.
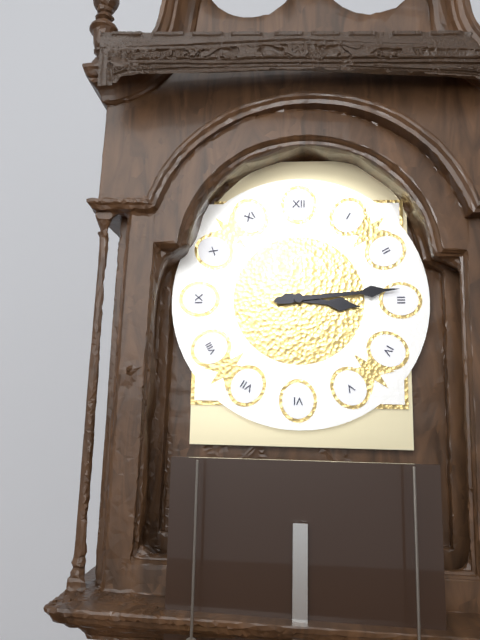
3:14
